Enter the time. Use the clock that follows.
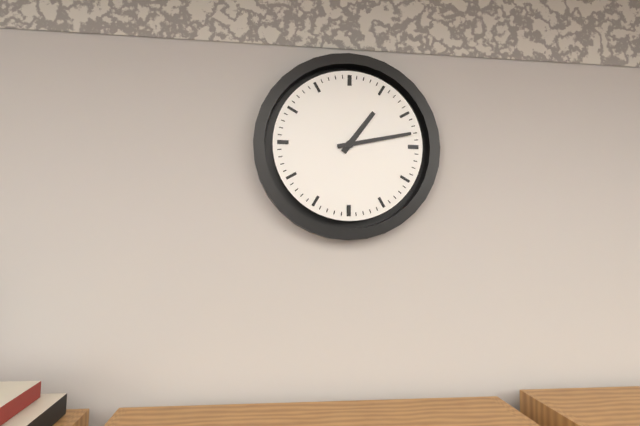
1:13
